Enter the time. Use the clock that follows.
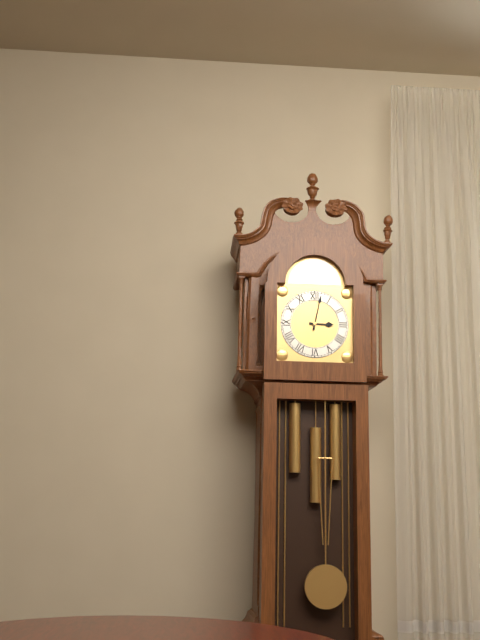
3:02
